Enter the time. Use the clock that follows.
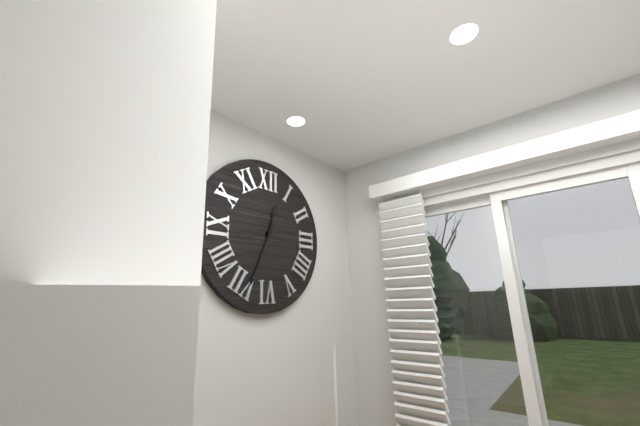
12:34
